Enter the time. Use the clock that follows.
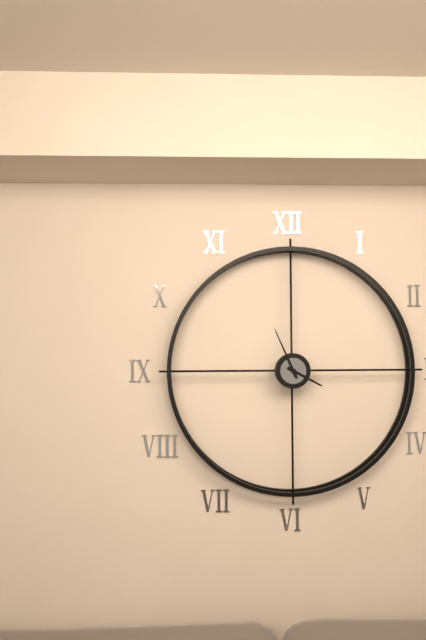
3:56
